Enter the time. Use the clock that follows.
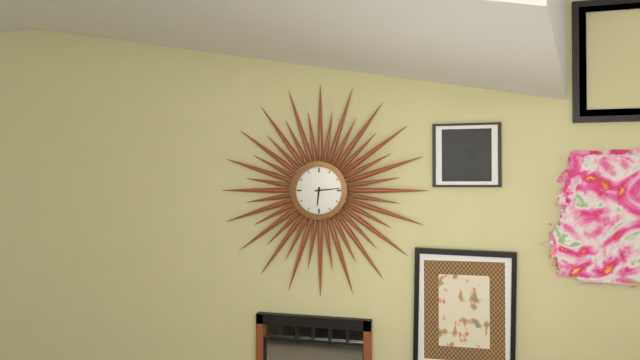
6:14
